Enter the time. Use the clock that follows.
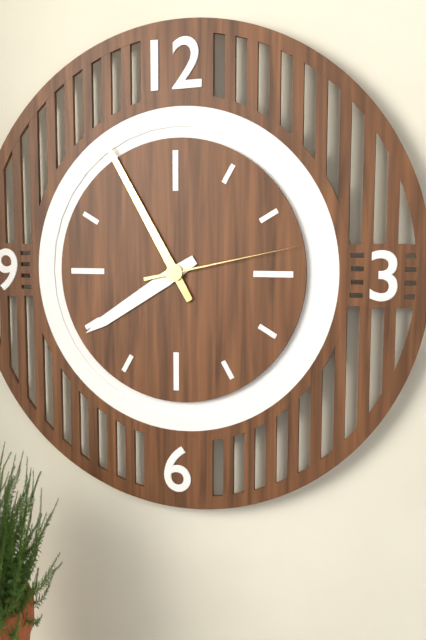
7:55:13
